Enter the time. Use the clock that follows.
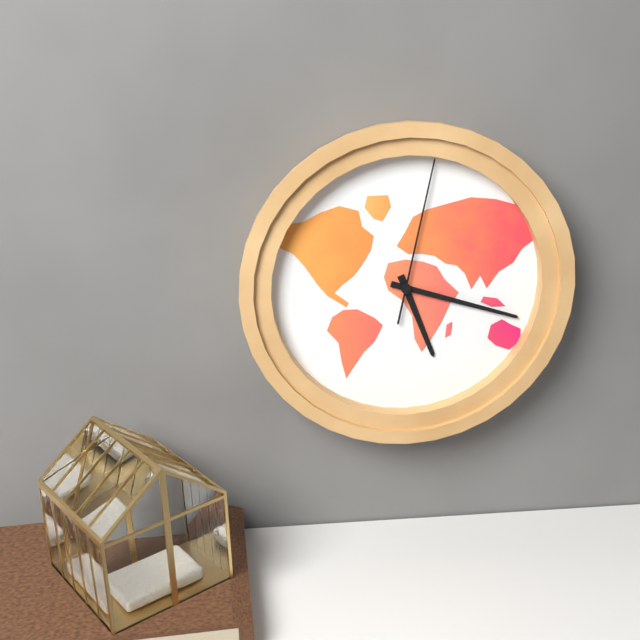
5:18:02
